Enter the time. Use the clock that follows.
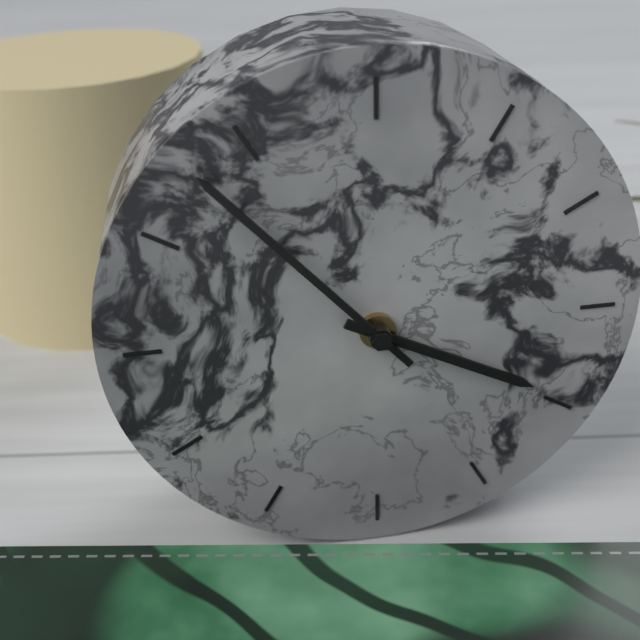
3:53
